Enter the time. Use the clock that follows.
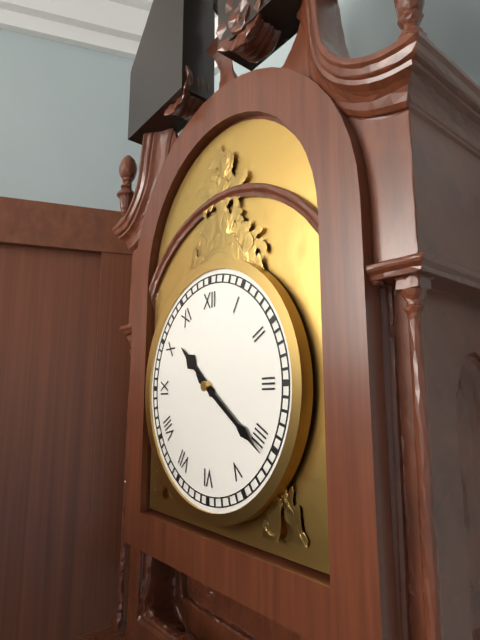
10:21
